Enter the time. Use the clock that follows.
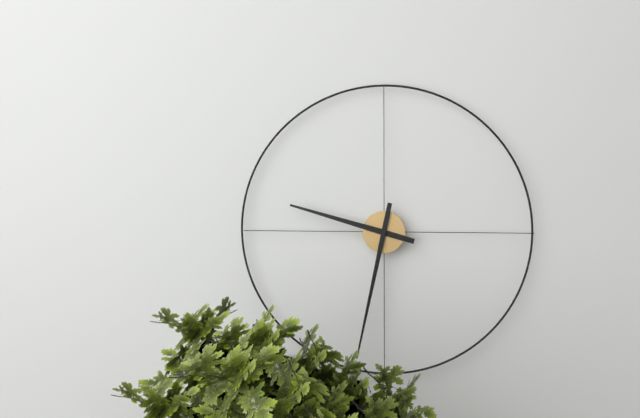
9:32
